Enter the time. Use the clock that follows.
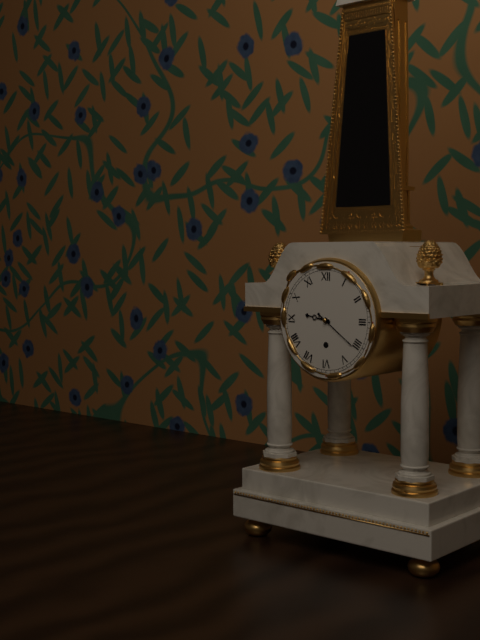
9:21
